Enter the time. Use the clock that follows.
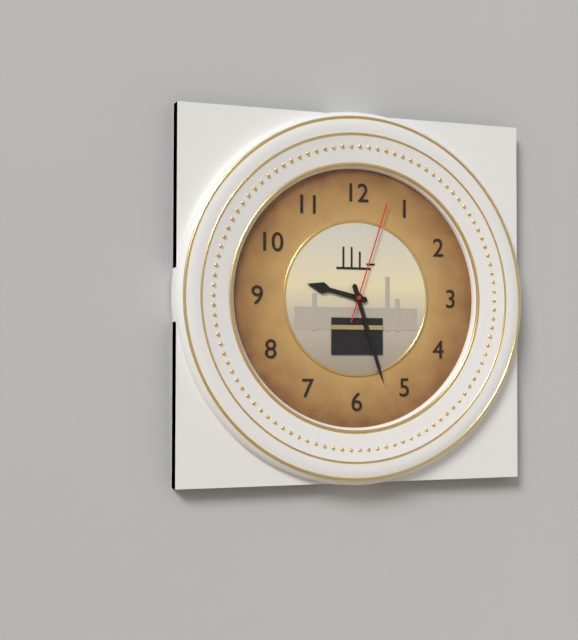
9:27:03
